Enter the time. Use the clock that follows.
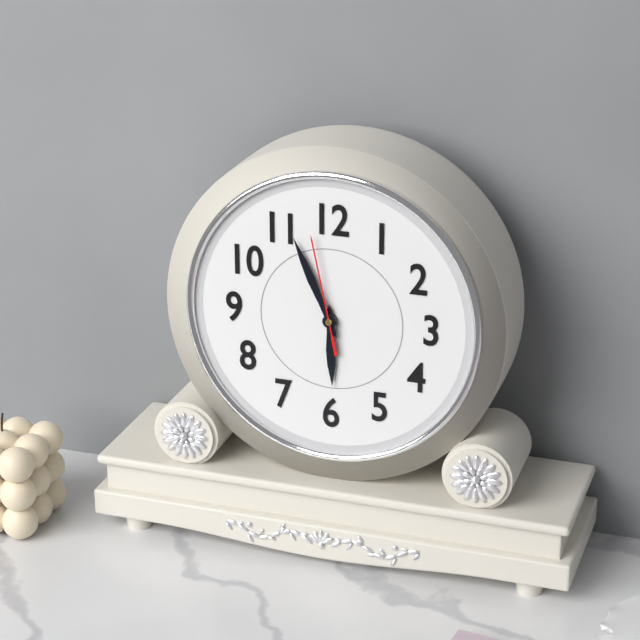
5:56:58
